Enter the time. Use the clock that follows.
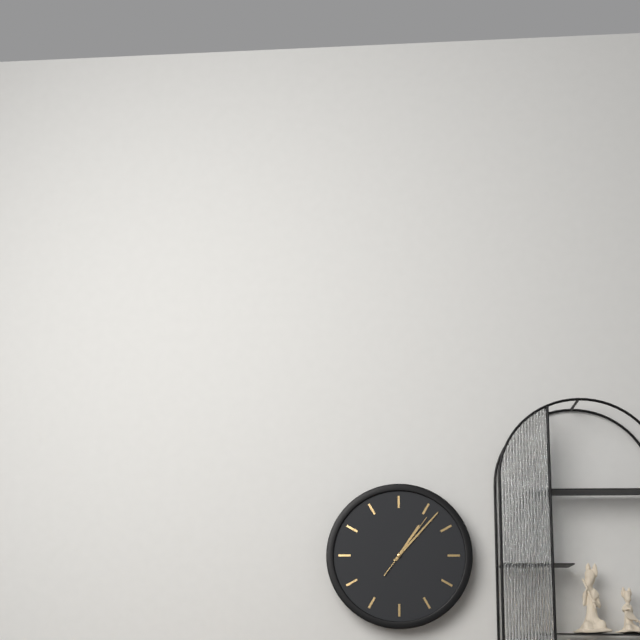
1:07:06
